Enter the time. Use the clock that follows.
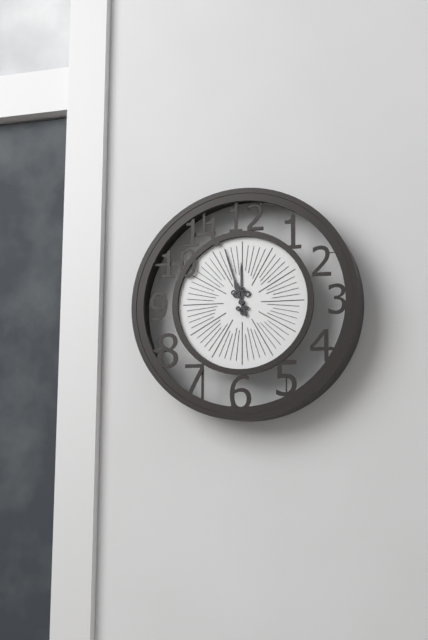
11:57
